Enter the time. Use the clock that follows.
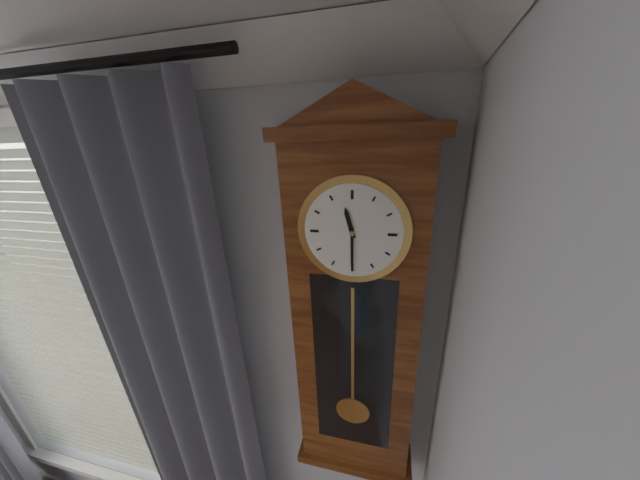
11:30
